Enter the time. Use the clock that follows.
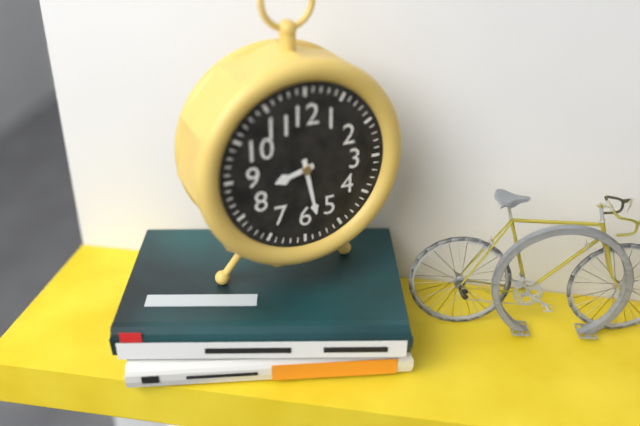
8:28
